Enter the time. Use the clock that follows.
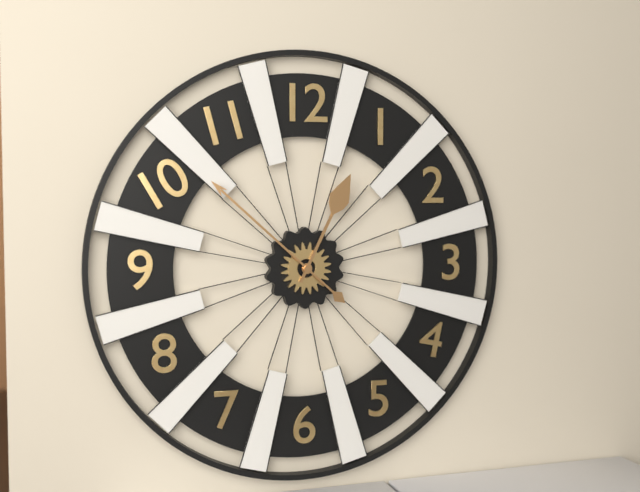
12:52
